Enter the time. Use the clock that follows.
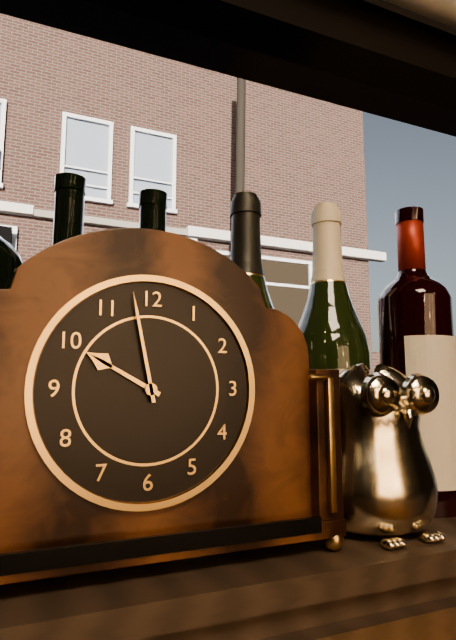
9:58
